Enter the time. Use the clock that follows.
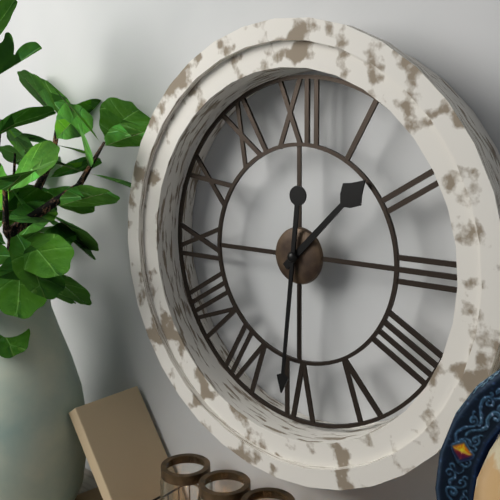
1:31
